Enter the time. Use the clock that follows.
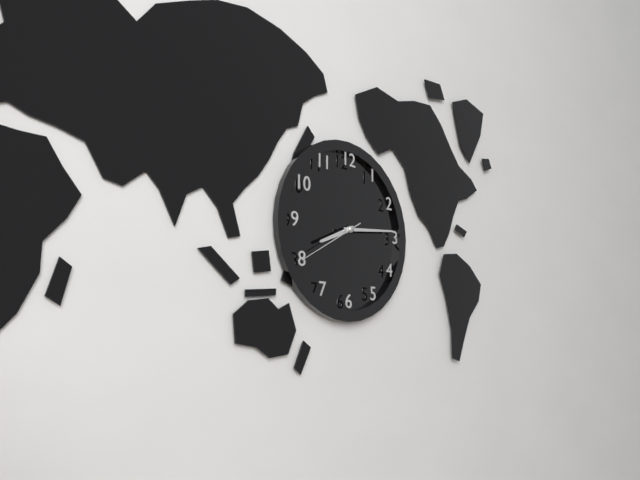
8:14:40
